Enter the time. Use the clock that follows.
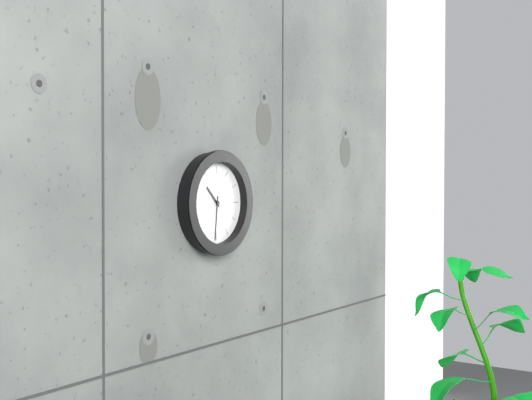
10:31
